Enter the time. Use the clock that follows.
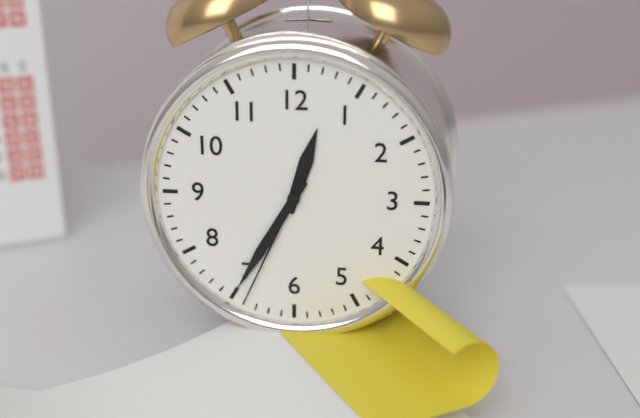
12:35:34
